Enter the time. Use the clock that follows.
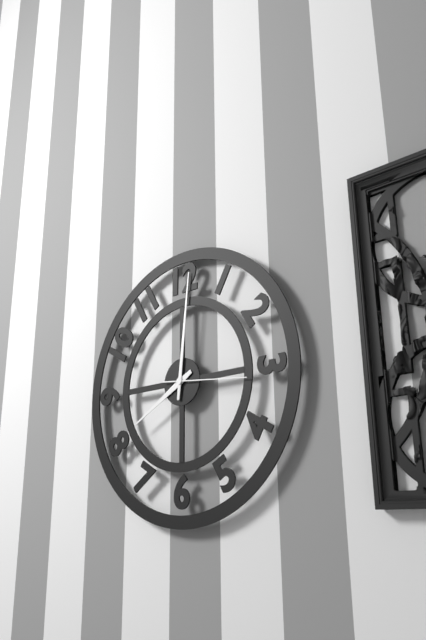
8:01:16
